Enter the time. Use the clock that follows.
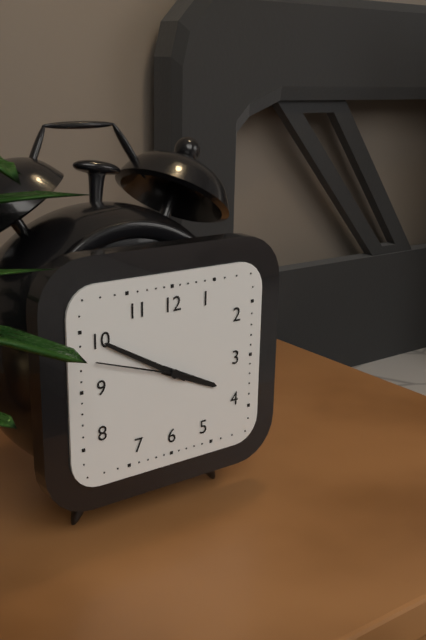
3:50:48
